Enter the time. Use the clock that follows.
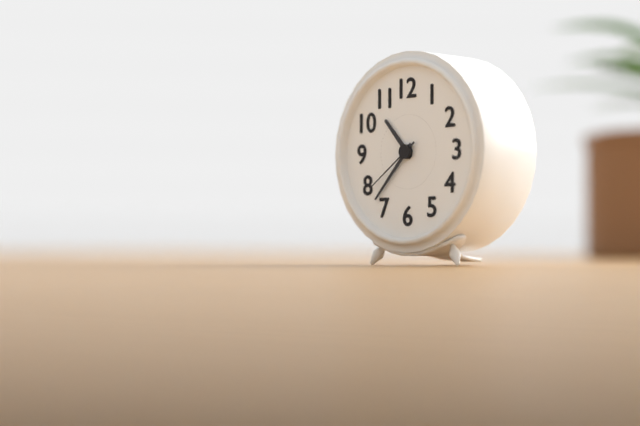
10:37:39
